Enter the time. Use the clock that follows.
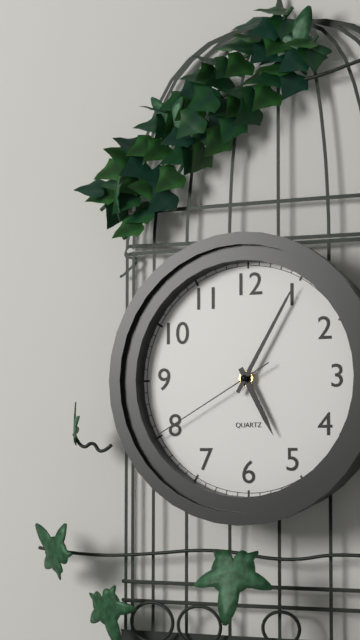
5:05:40
